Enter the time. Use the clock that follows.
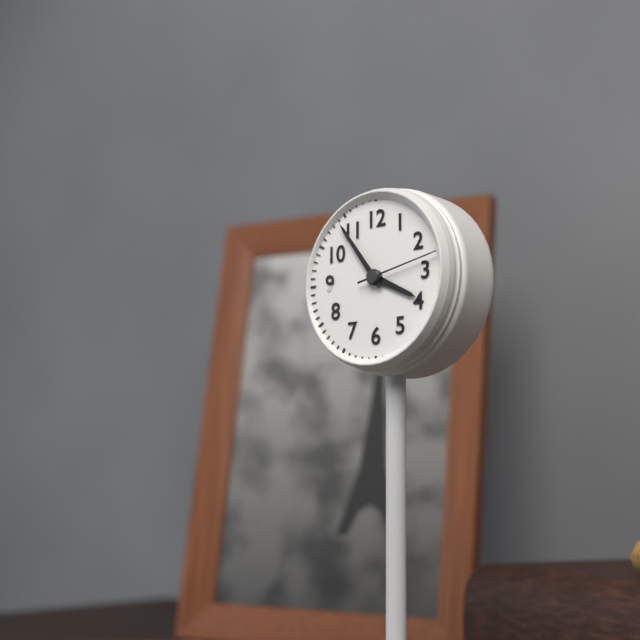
3:54:13
